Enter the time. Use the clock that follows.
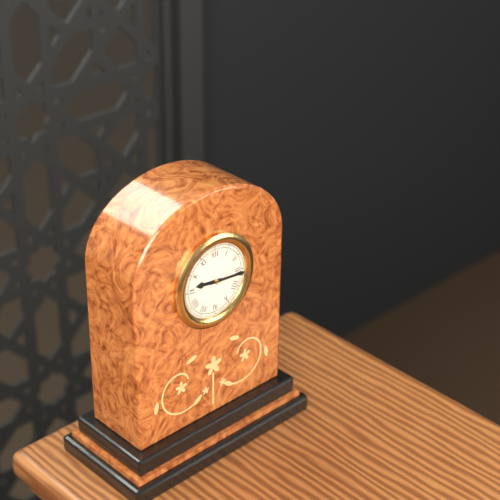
9:16
